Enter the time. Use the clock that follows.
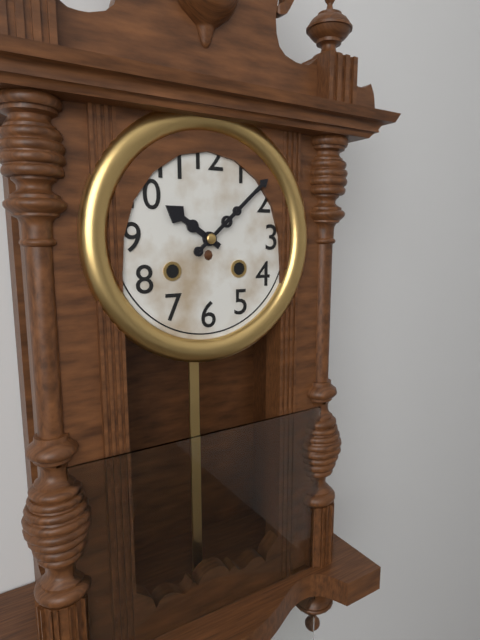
10:08
